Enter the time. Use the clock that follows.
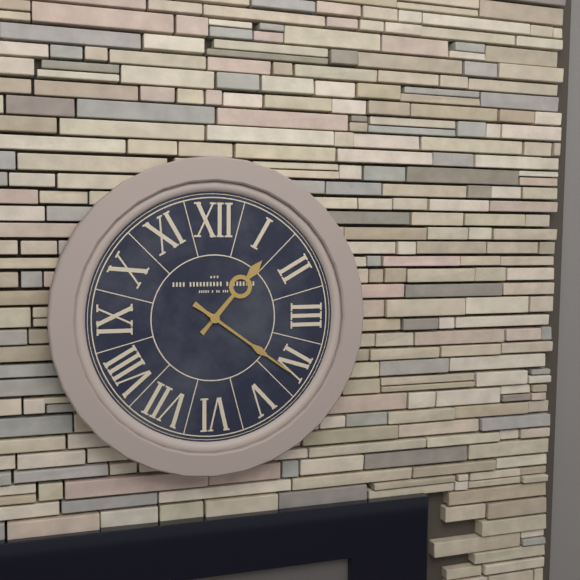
1:21
